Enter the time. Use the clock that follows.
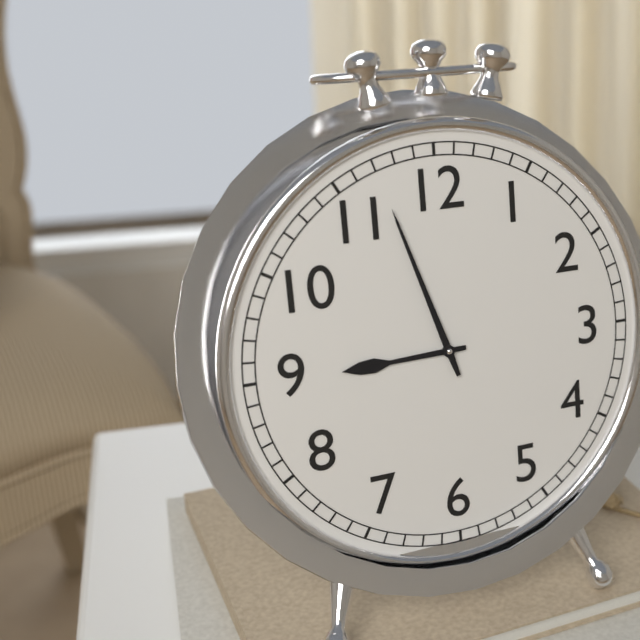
8:57
